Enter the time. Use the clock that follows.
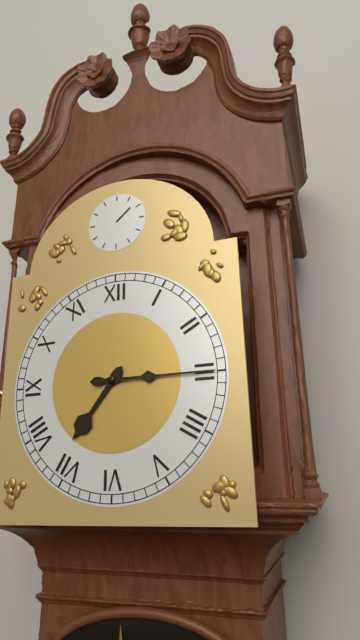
7:15
